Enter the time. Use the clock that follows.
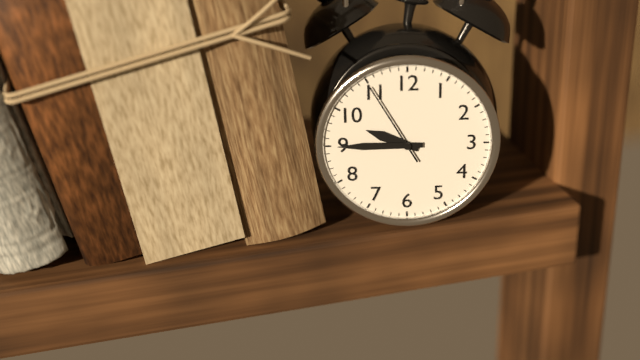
9:45:55
